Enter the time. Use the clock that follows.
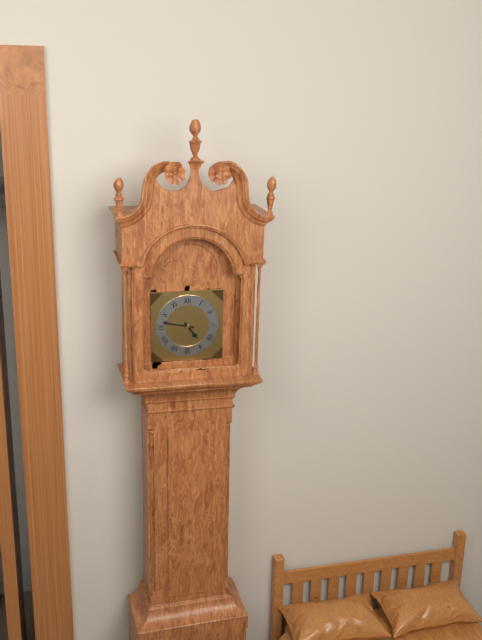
4:47
